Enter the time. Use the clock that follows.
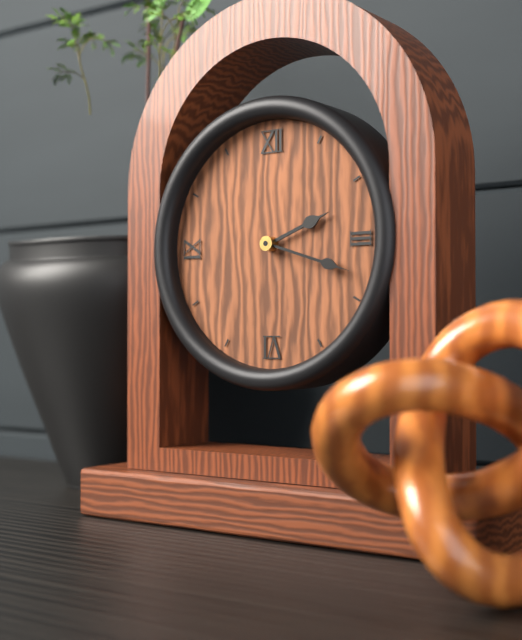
2:18
